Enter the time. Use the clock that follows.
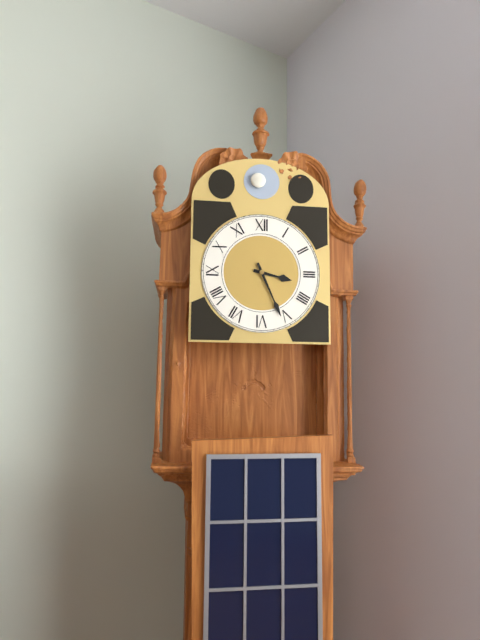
3:26
